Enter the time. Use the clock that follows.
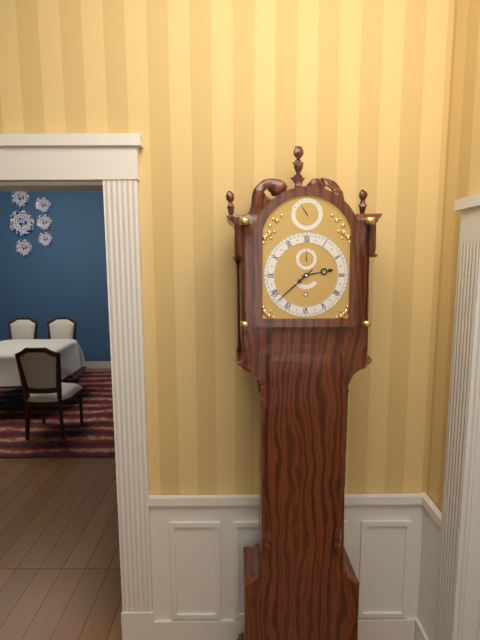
2:38
